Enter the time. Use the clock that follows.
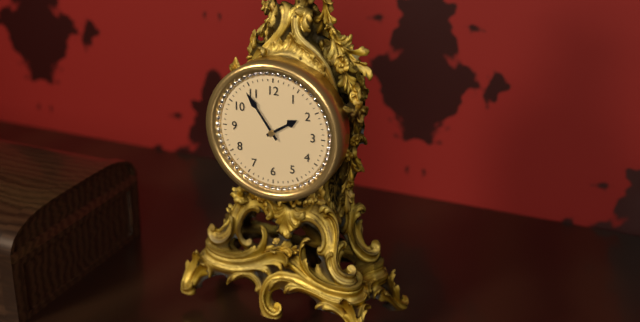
1:54
